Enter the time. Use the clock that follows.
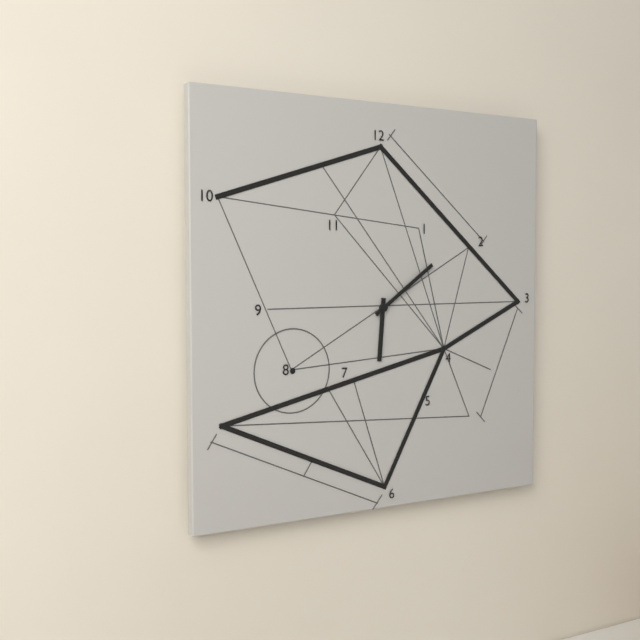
6:09
